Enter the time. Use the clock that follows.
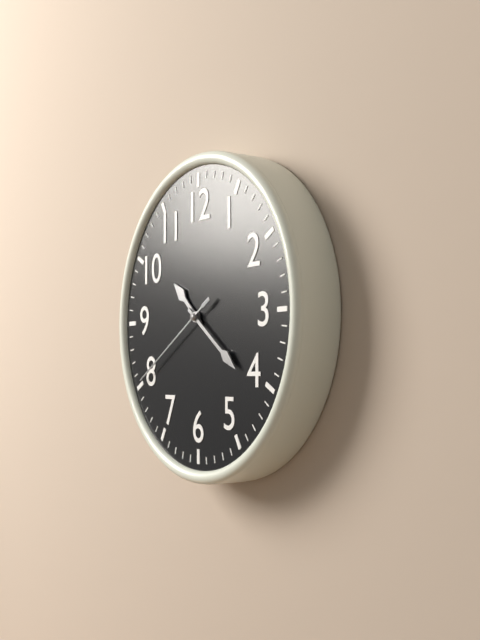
10:21:40
